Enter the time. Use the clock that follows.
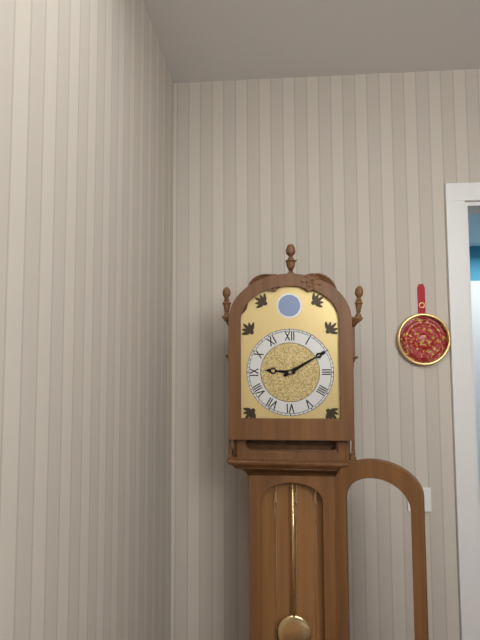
9:10
